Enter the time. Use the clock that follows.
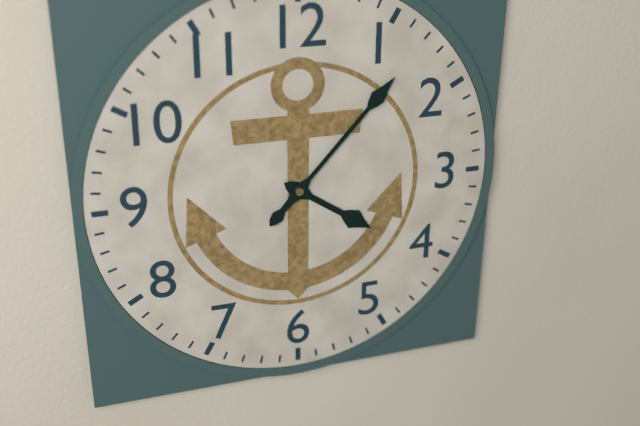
4:07
